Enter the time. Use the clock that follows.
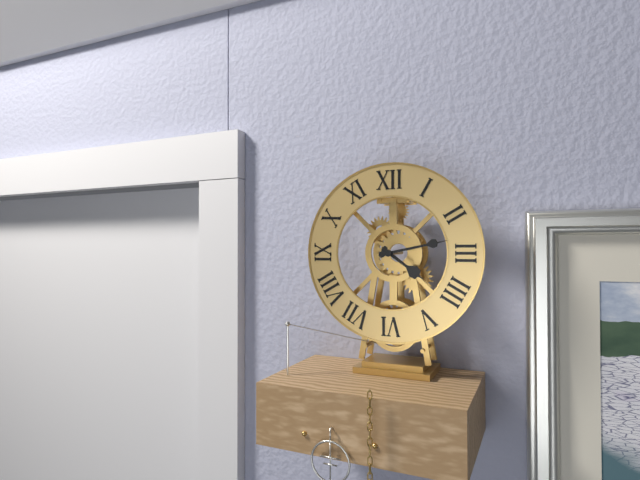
4:13
